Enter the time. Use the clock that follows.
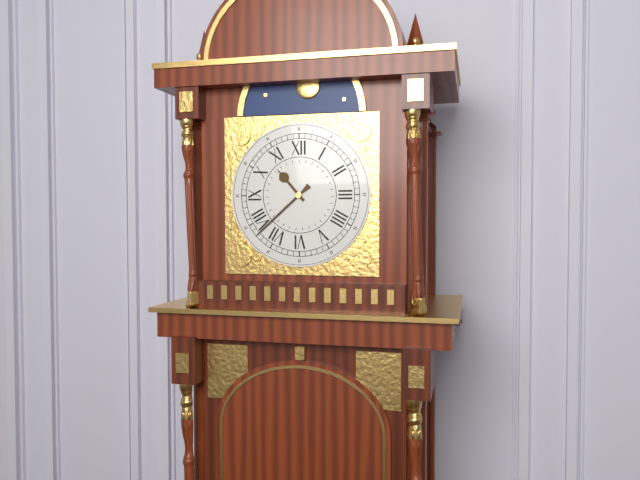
10:38
